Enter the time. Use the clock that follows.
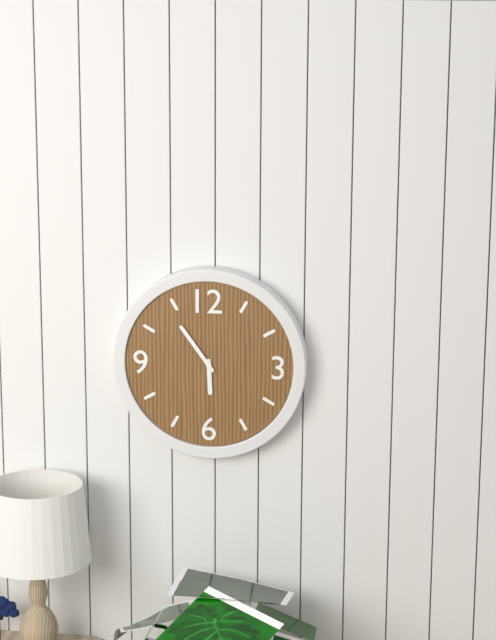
5:54
